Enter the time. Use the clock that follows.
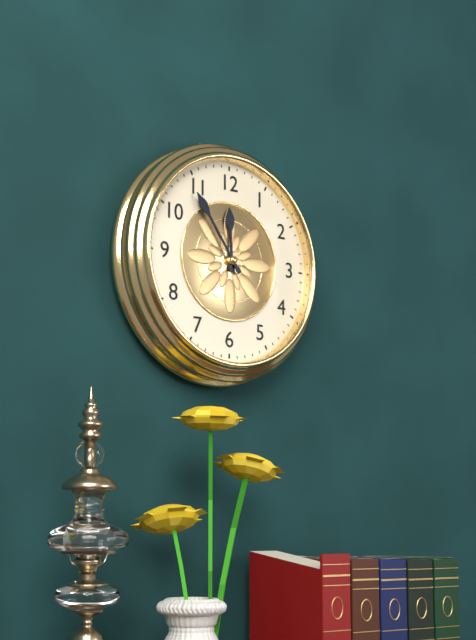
11:54
